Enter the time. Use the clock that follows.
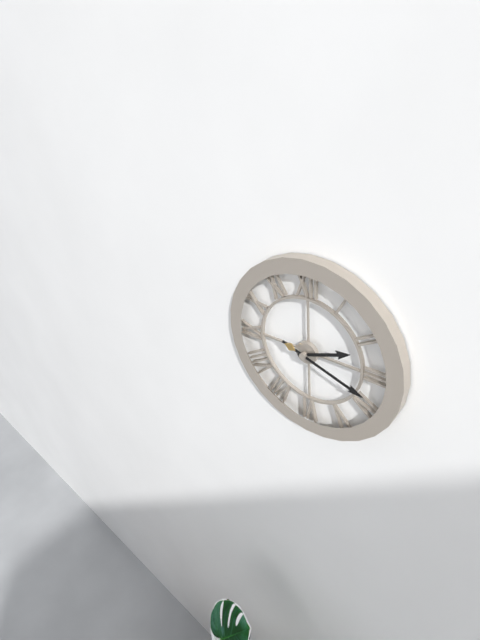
2:18
